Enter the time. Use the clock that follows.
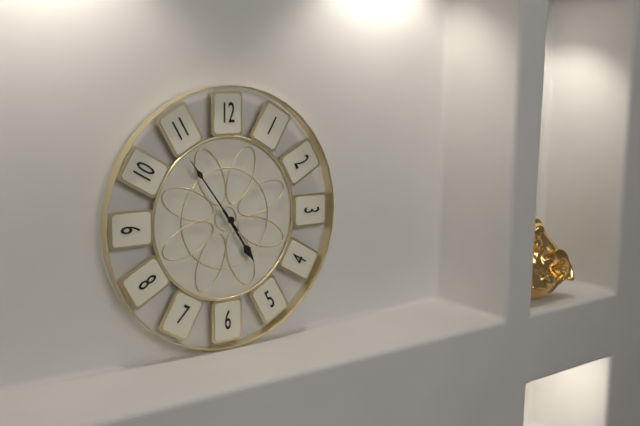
4:54
